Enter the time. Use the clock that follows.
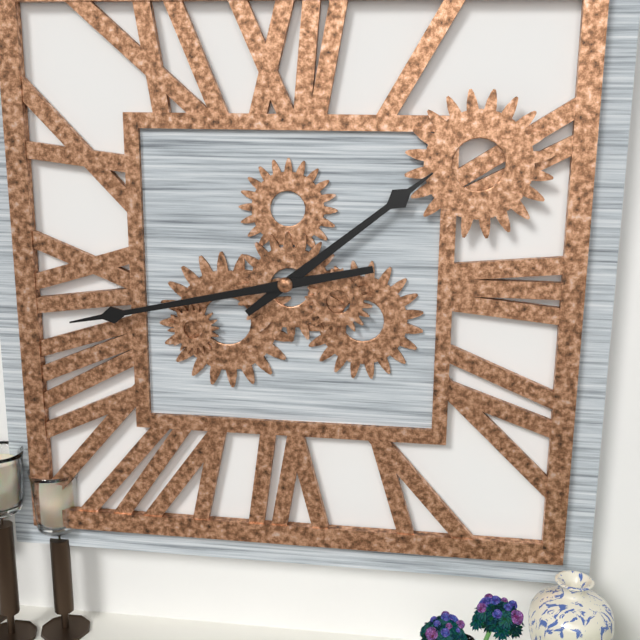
1:43
